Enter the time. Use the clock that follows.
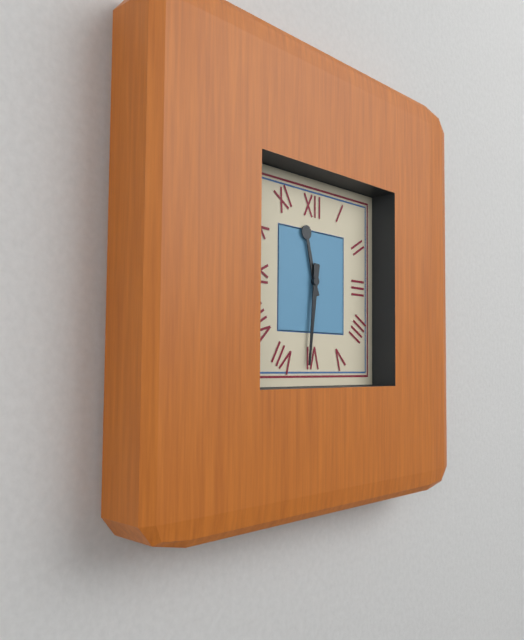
11:31
